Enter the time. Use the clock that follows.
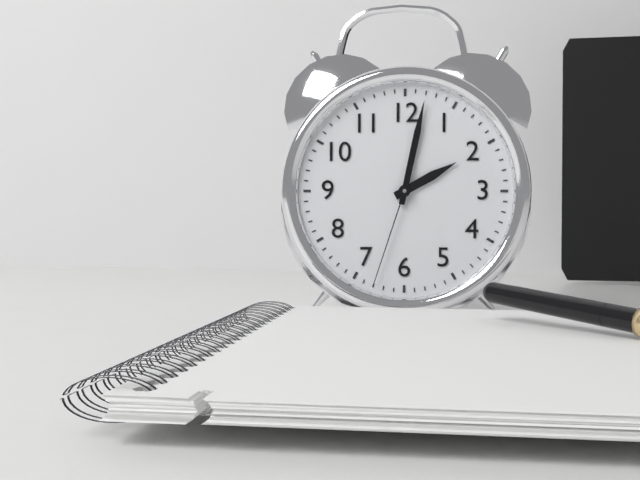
2:02:33
